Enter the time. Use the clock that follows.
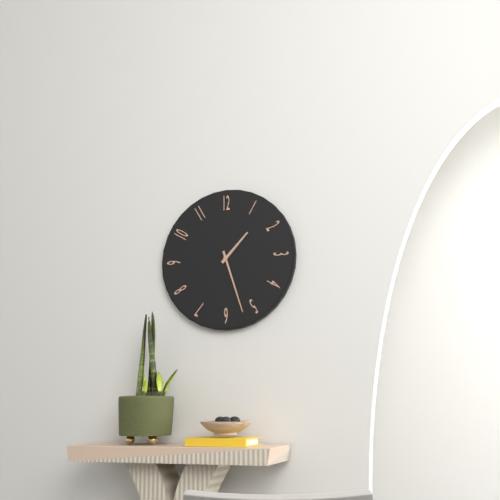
1:27
